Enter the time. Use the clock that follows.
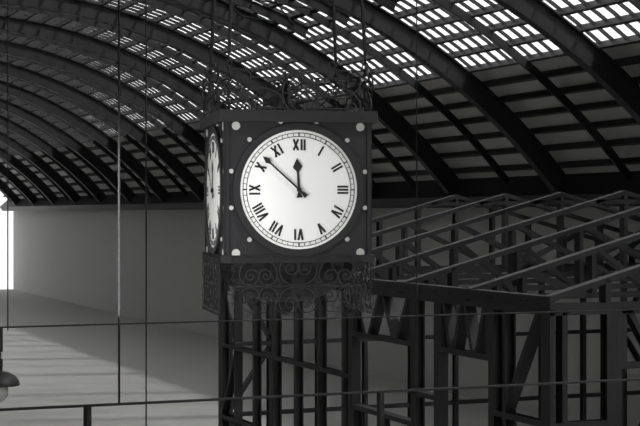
11:52
